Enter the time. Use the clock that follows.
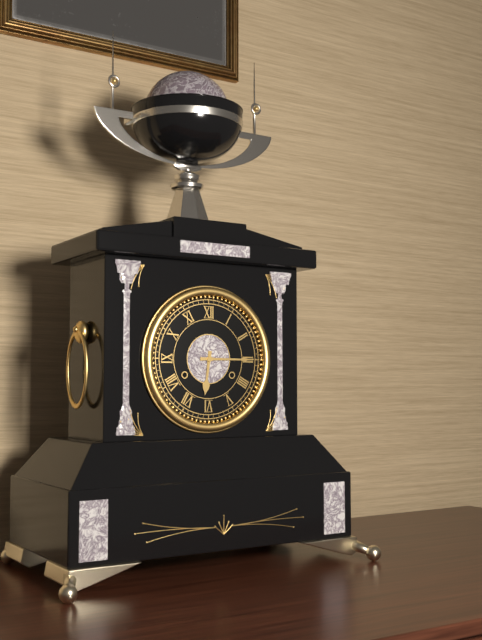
6:15
